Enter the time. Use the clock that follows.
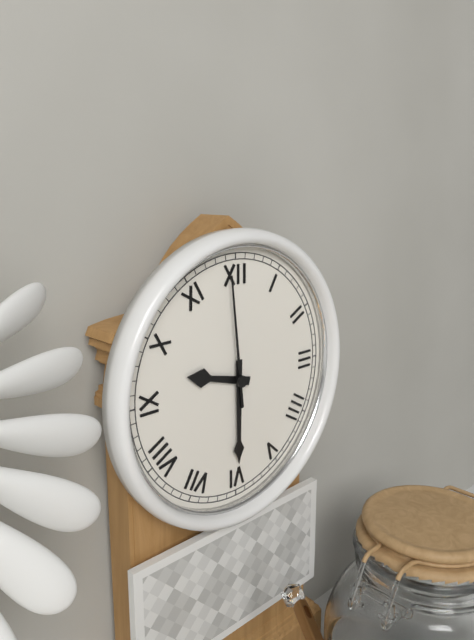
9:30:59
